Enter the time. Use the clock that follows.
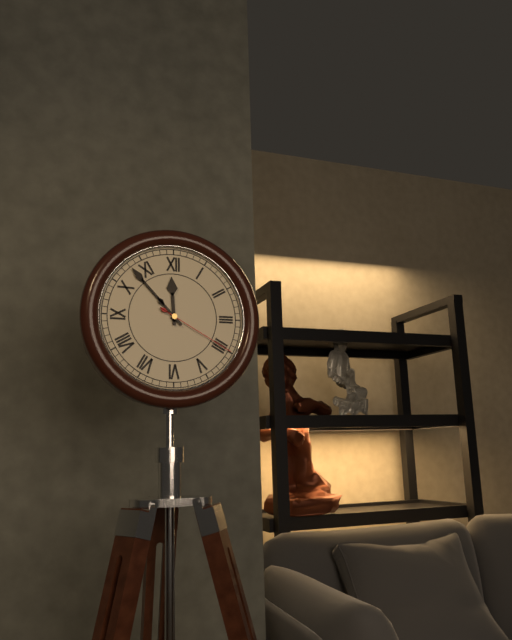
11:53:20
